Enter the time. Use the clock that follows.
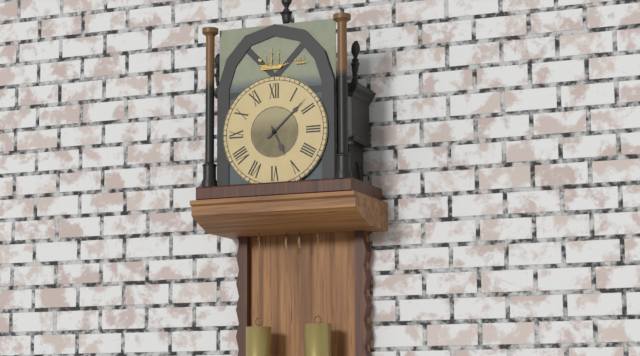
5:08
